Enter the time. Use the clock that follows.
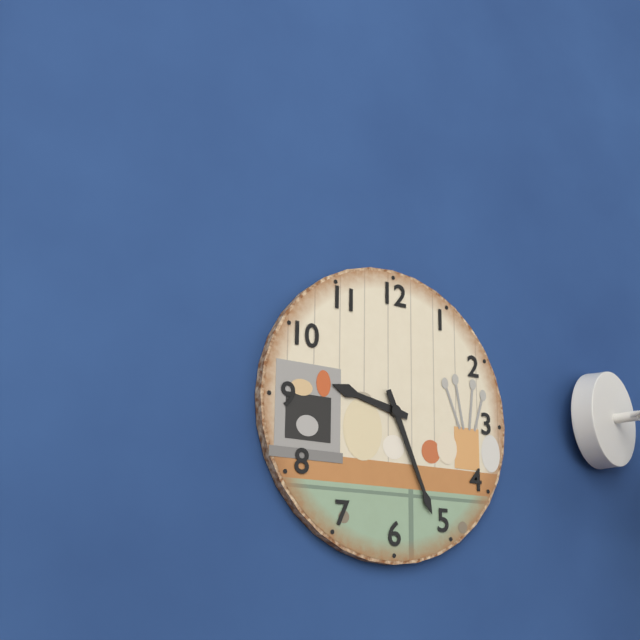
9:26
